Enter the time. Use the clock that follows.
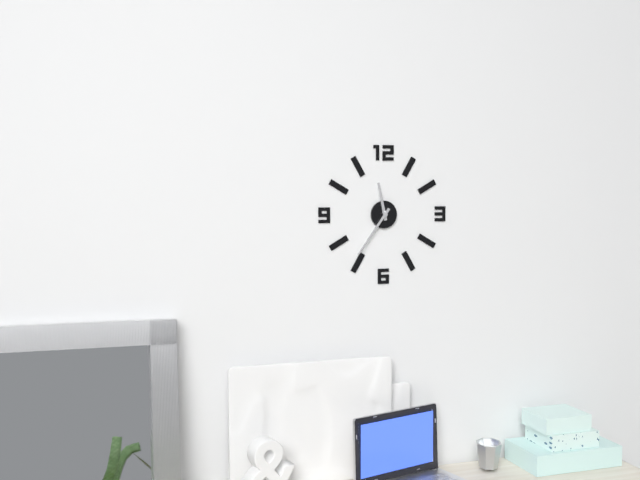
11:36
